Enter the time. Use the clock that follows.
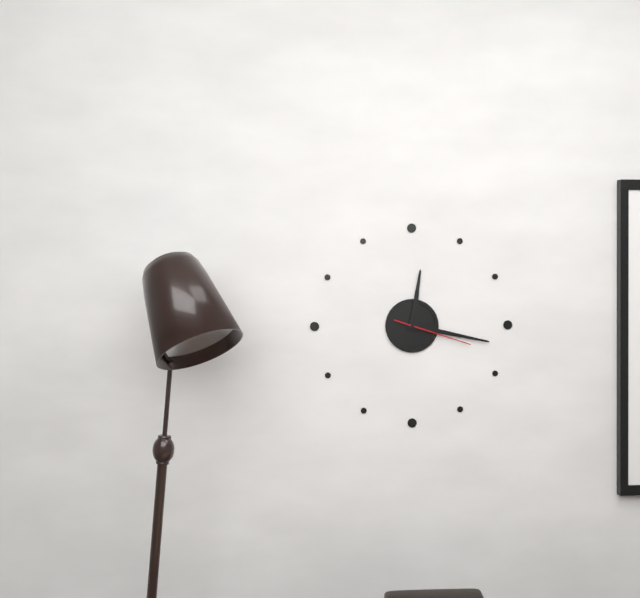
12:17:18
